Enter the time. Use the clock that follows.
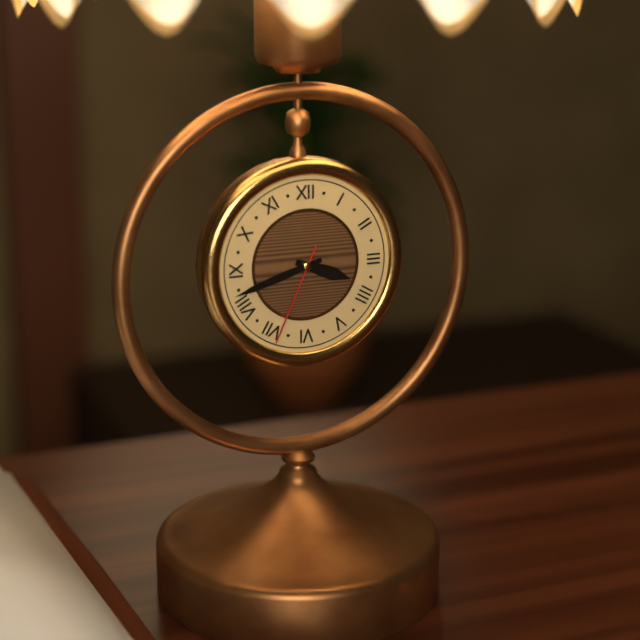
3:42:34
